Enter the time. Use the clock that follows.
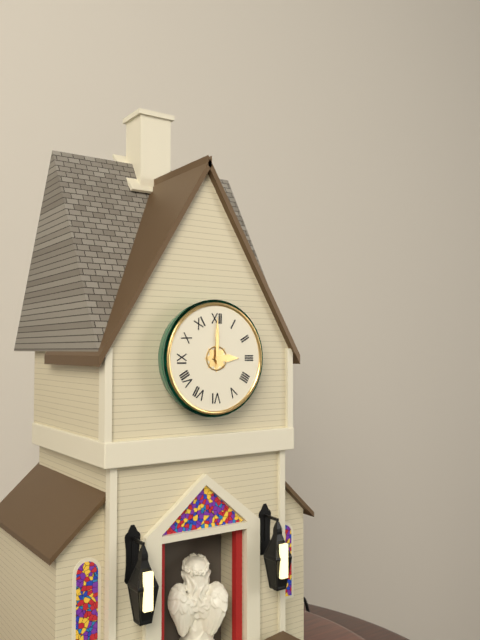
3:00
